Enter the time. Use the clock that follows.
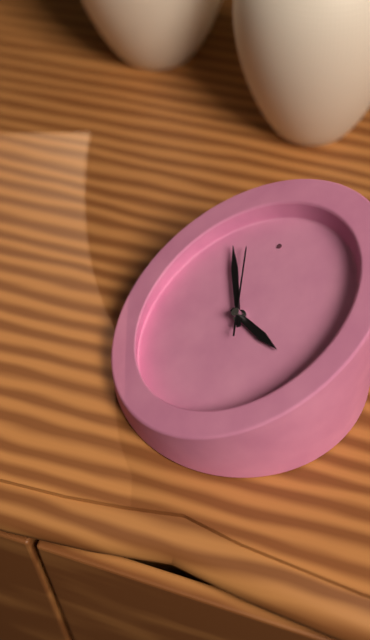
5:01:03
